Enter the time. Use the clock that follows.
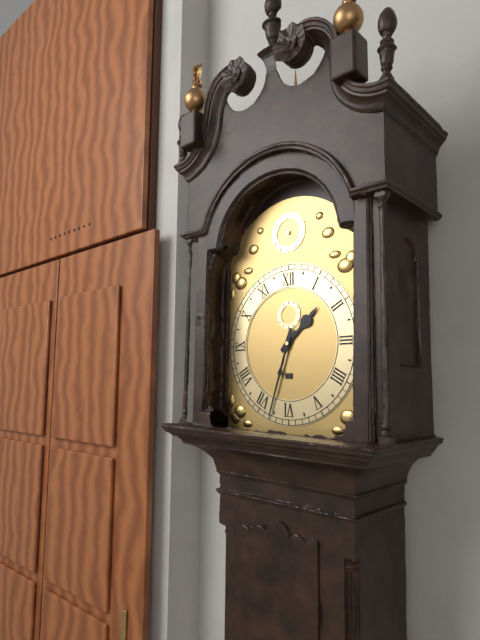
1:33
